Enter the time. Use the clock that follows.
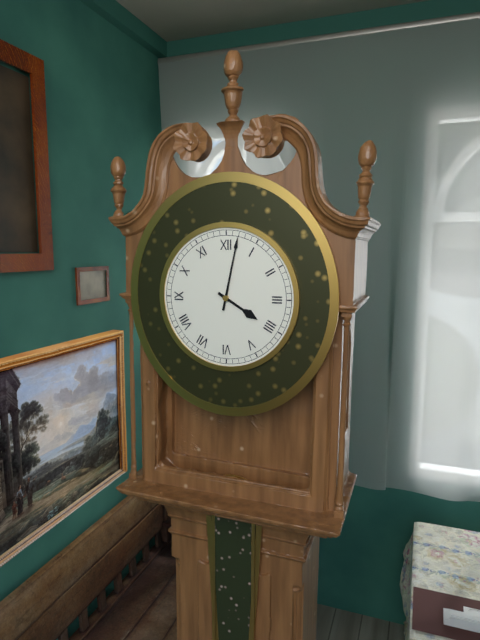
4:02
